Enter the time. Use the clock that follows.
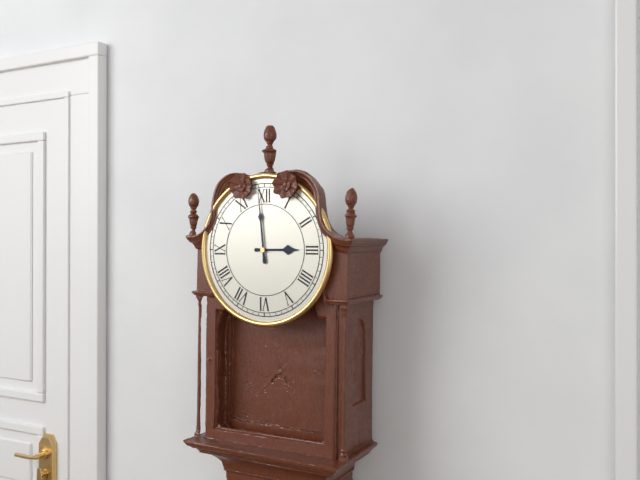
2:59
